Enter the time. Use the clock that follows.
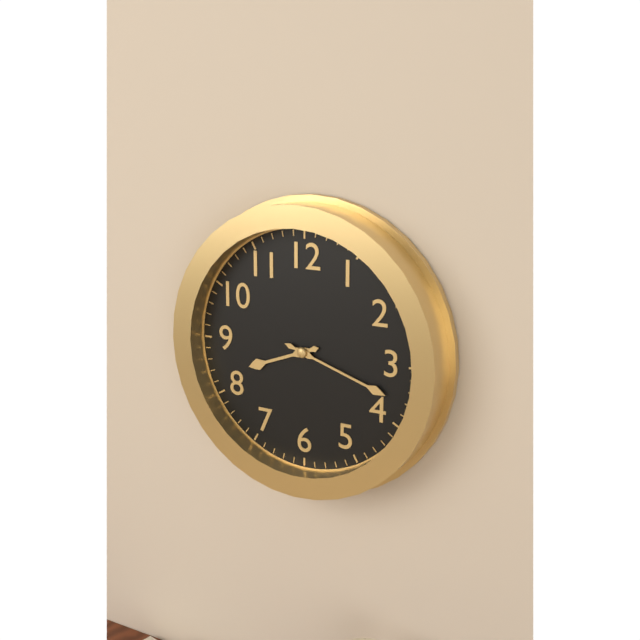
8:18
